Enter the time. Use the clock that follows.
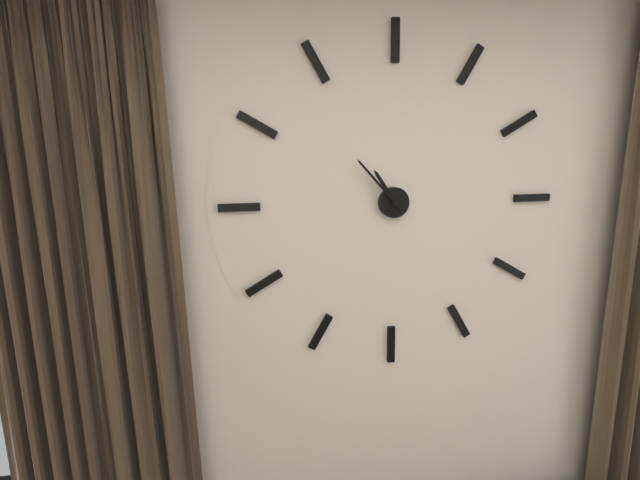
10:53
